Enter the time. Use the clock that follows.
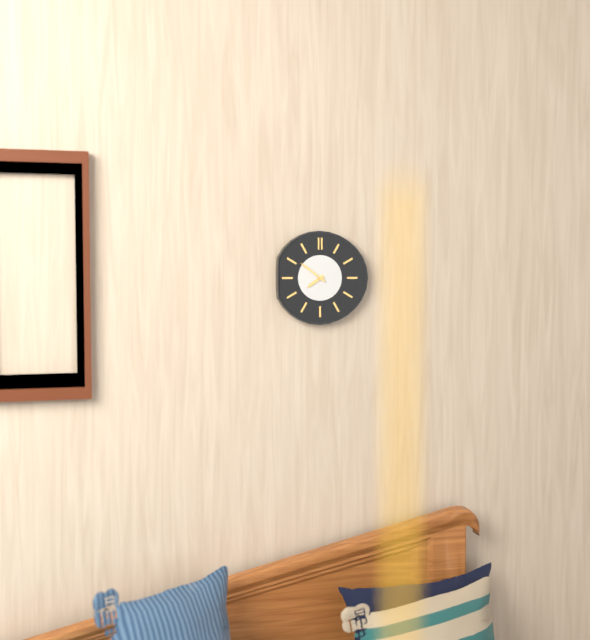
7:51
